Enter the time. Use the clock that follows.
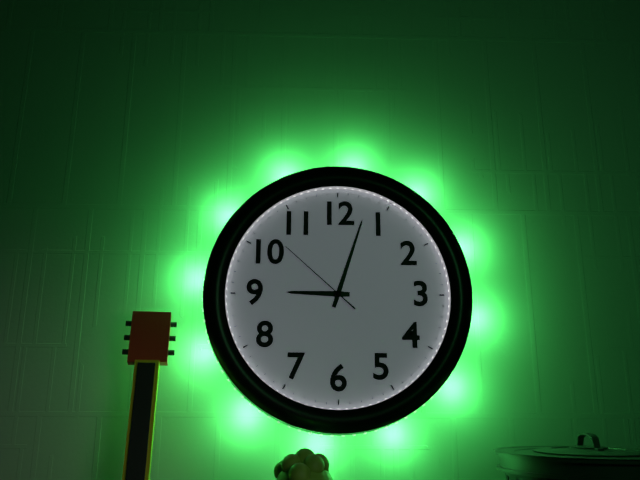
9:03:52
